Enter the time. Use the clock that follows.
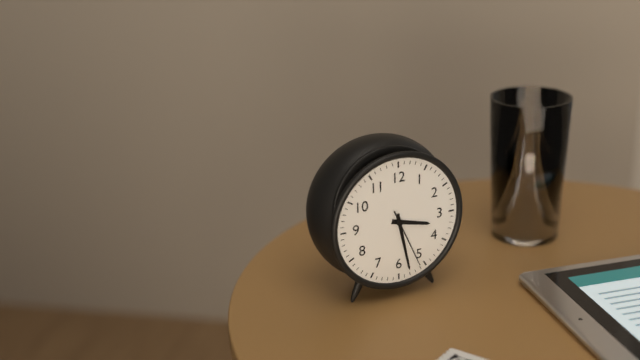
3:28:26
